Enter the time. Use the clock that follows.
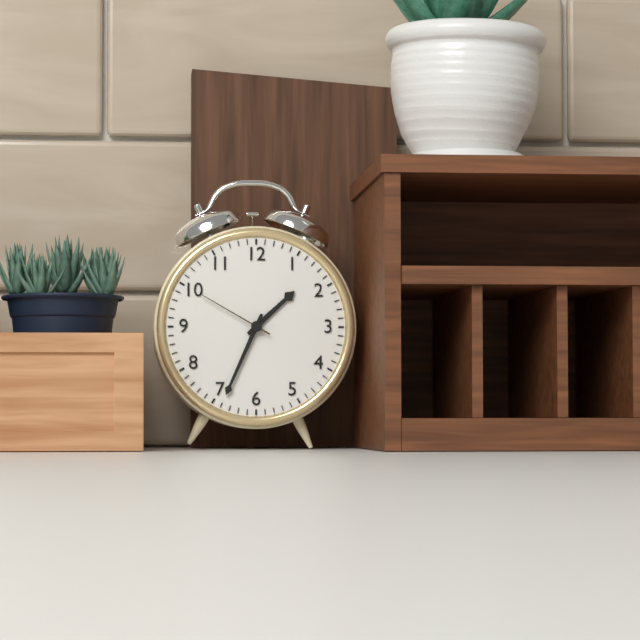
1:34:50
